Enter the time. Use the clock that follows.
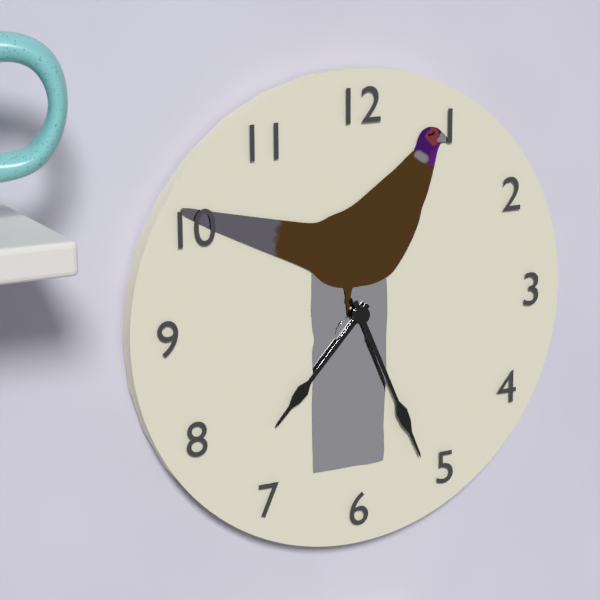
7:26
